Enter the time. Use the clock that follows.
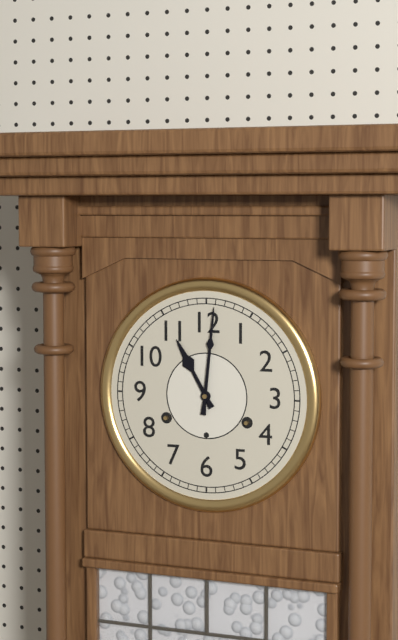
11:01
